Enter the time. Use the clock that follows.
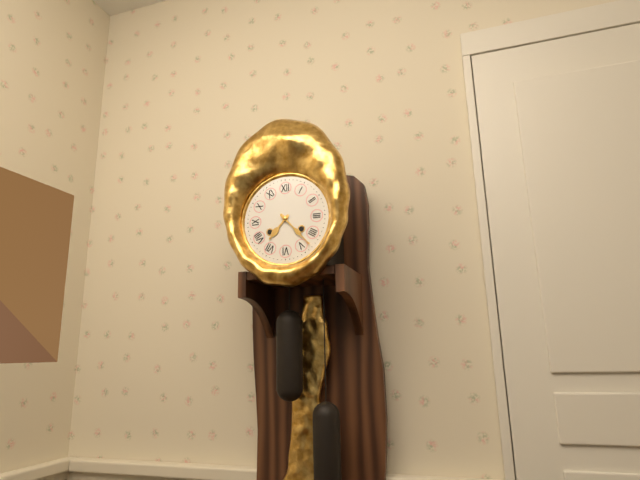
7:23
